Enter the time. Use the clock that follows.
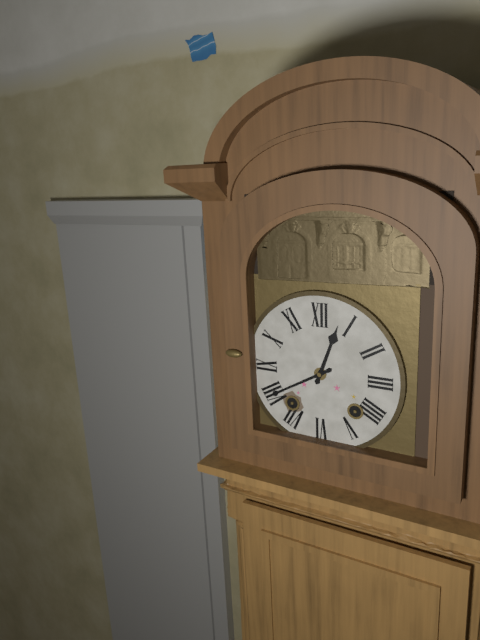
12:40
